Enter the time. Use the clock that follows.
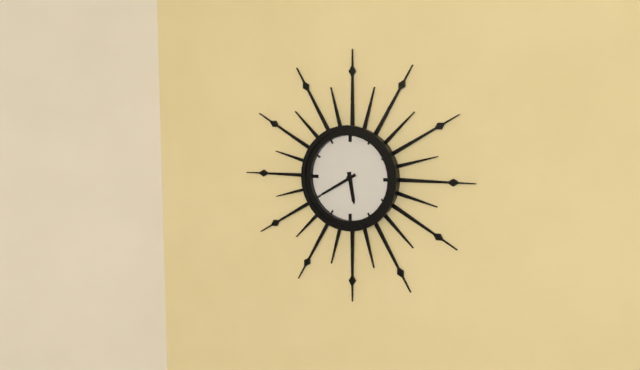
5:40
